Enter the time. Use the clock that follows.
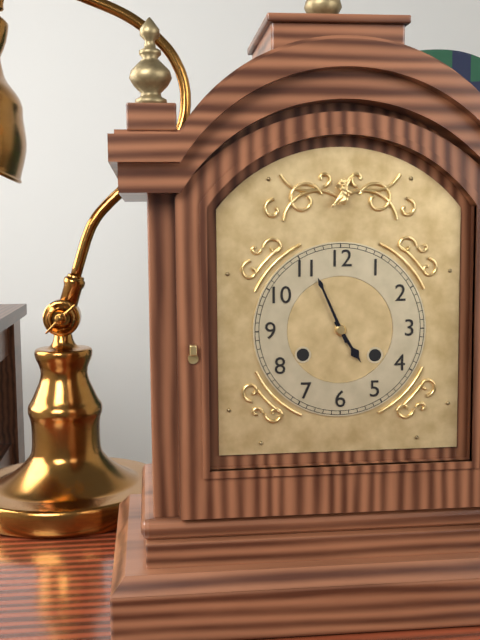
4:56
